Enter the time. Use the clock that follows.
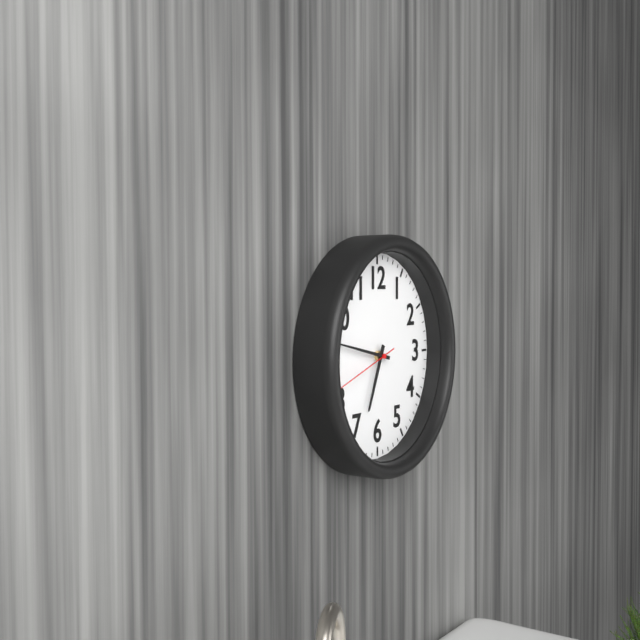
6:47:42
